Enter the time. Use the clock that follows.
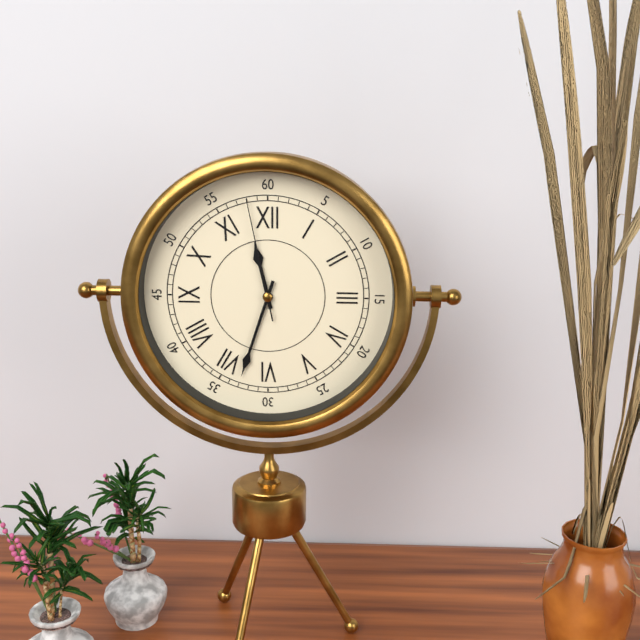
11:33:58
